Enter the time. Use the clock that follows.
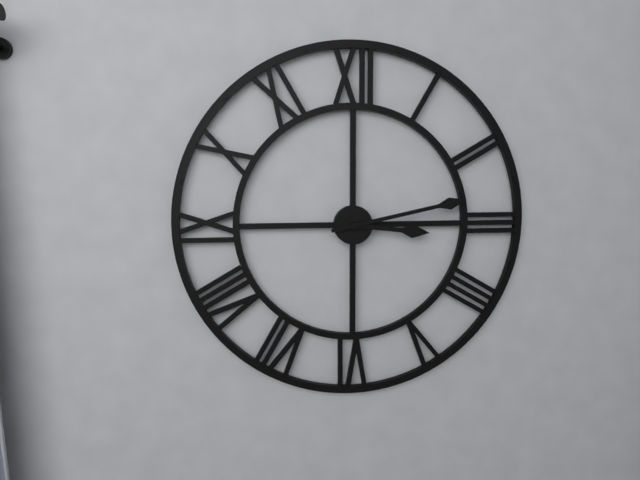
3:13
